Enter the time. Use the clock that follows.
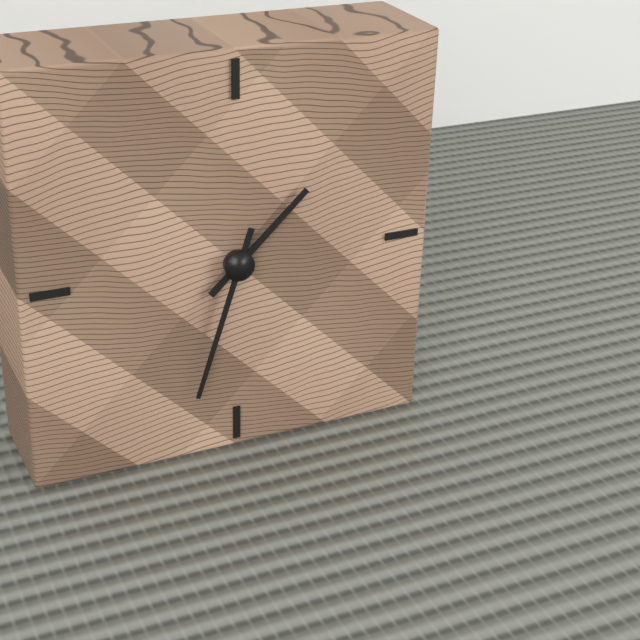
1:33
